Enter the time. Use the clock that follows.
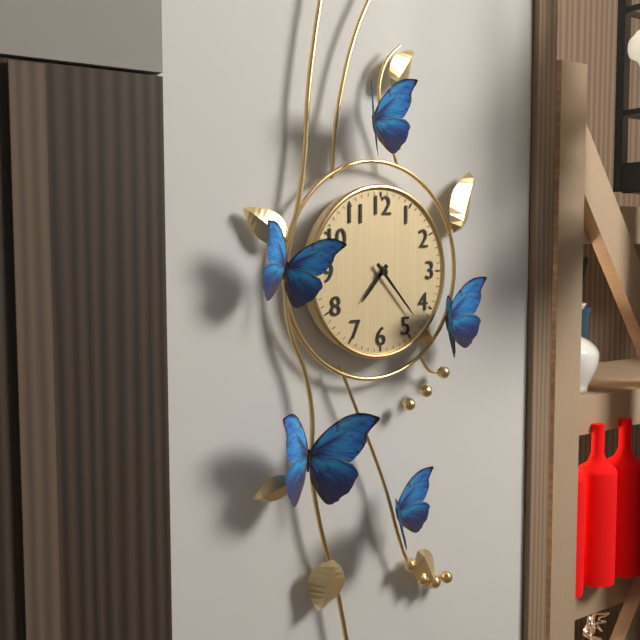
7:23
